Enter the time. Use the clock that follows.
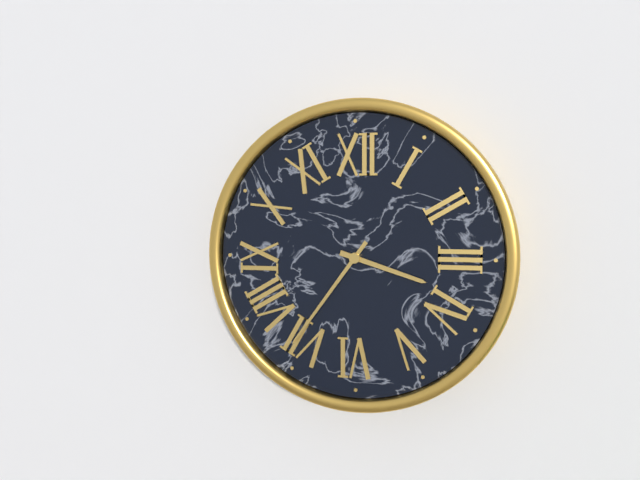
3:36
